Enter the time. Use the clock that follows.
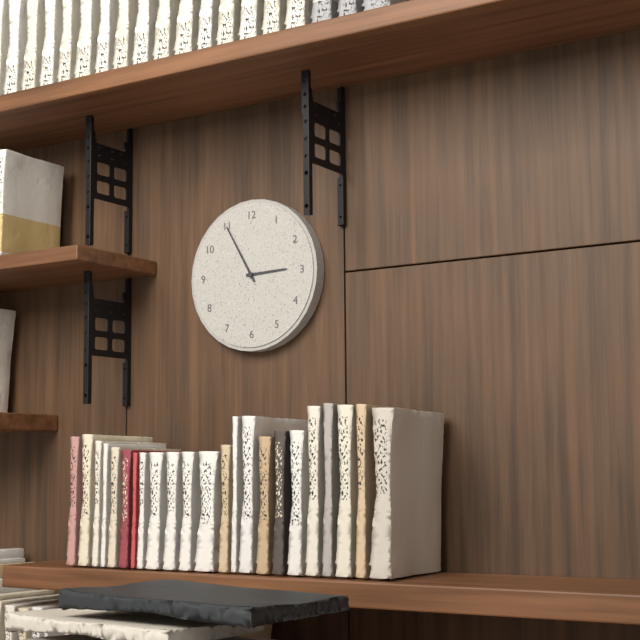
2:55
